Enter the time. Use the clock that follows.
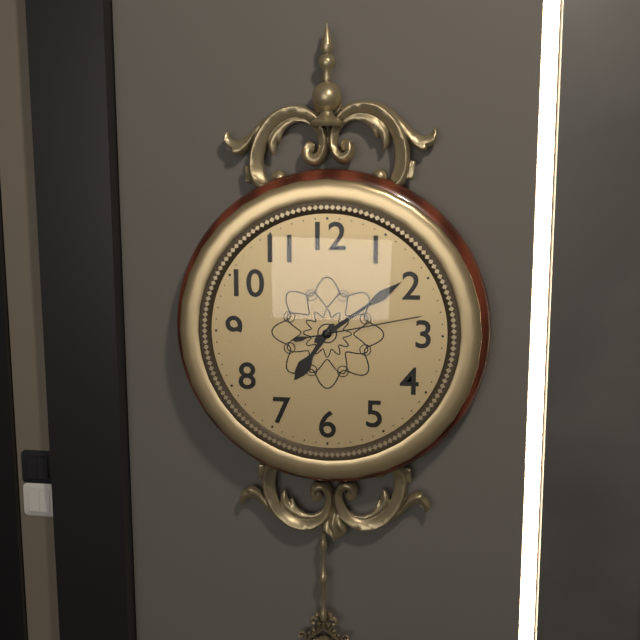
7:09:13
